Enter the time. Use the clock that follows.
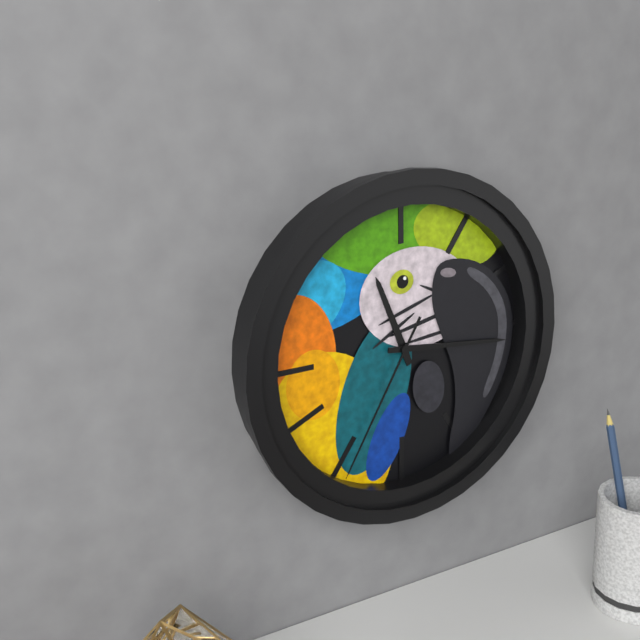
11:16:35
